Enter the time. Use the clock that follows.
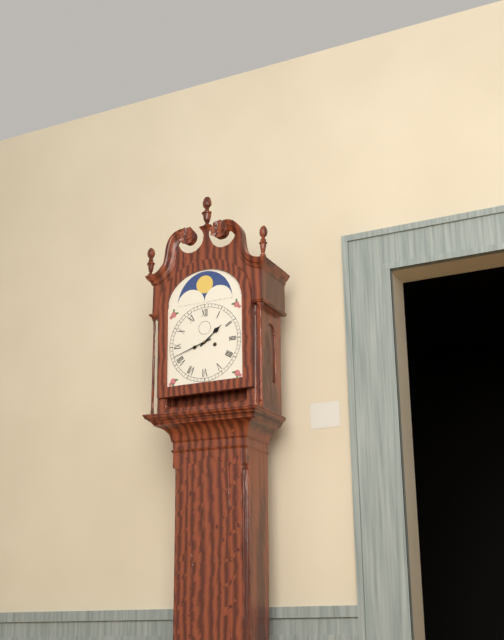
1:42
